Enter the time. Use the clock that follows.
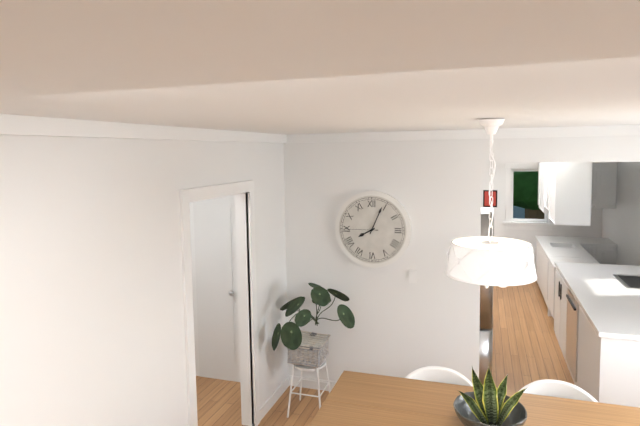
8:04
